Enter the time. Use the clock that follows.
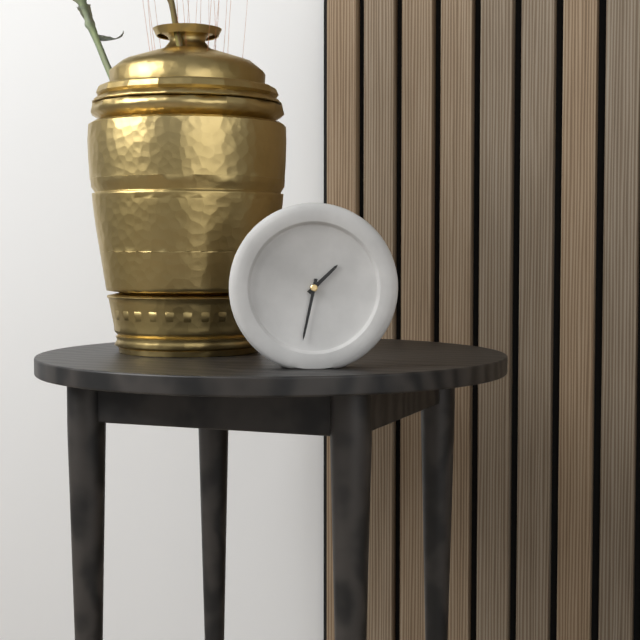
1:32
